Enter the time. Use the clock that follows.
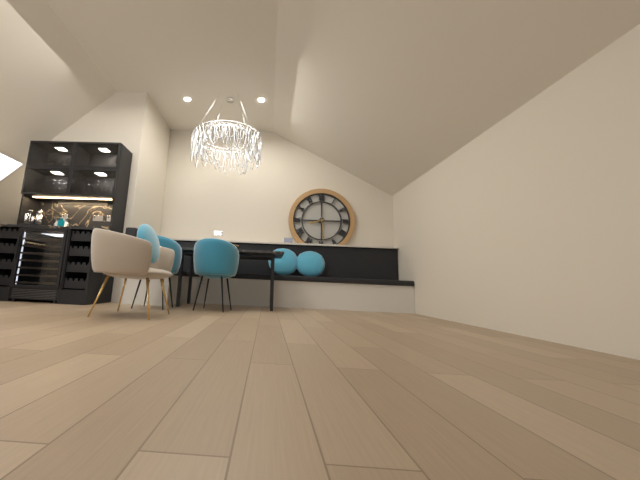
8:29
